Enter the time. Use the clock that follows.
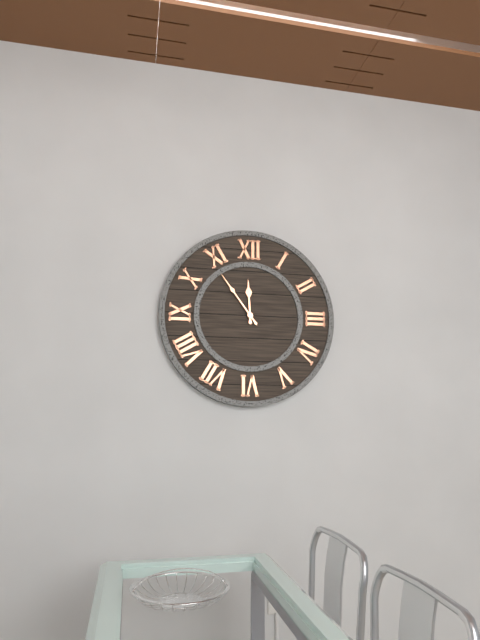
11:54
